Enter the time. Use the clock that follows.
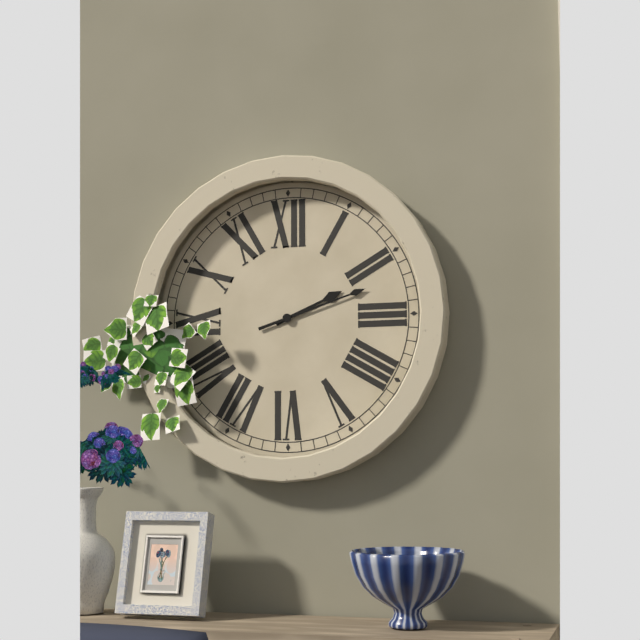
2:12
